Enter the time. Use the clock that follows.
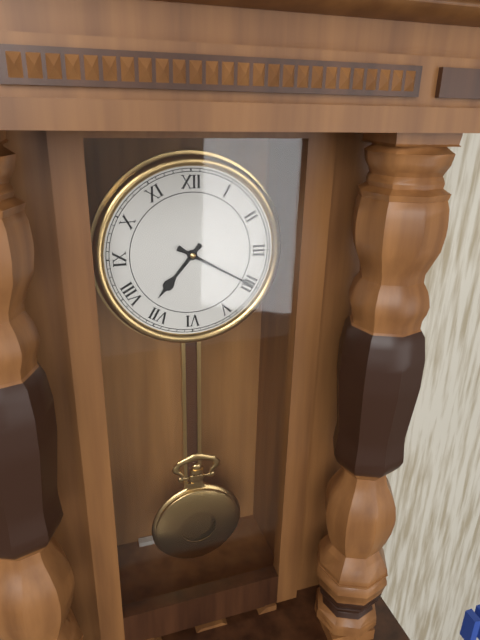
7:20
